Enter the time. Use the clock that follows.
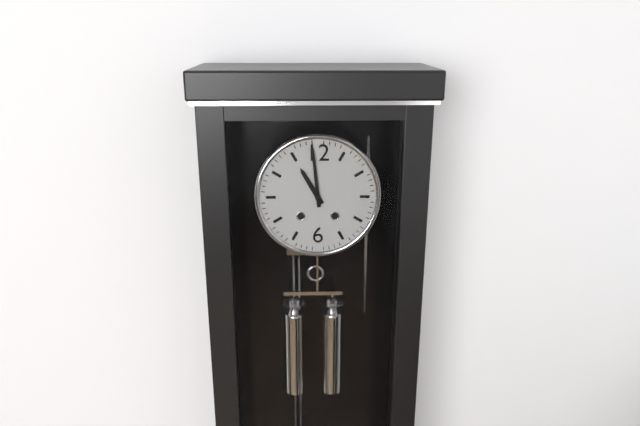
10:59
